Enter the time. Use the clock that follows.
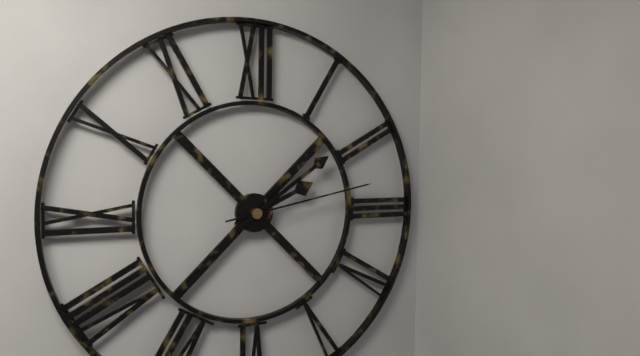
2:09:13
